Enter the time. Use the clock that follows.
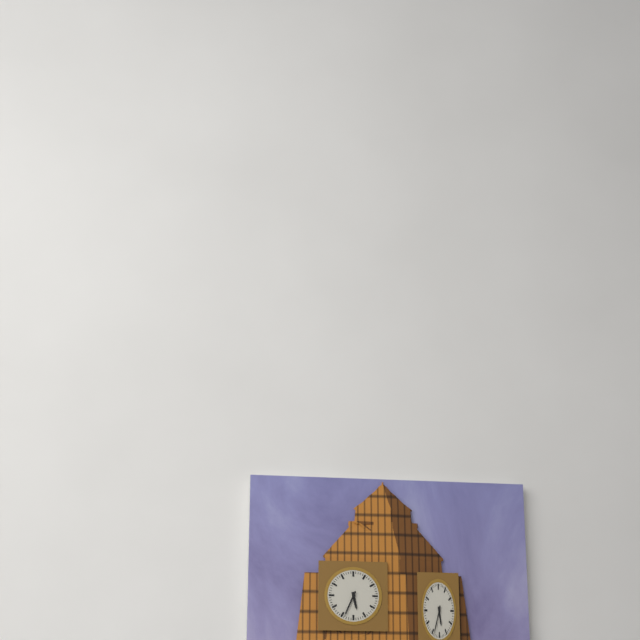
5:34
